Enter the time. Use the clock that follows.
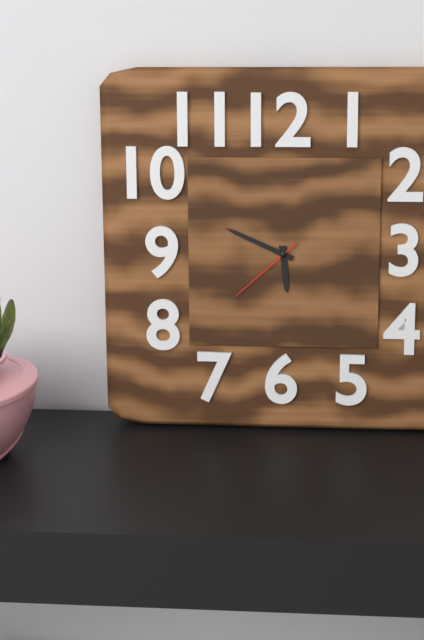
5:49:38
